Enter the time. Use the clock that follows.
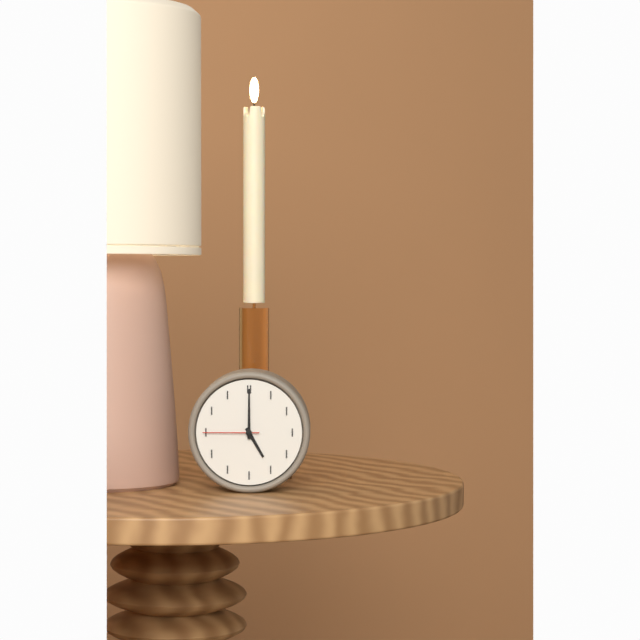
5:00:45
